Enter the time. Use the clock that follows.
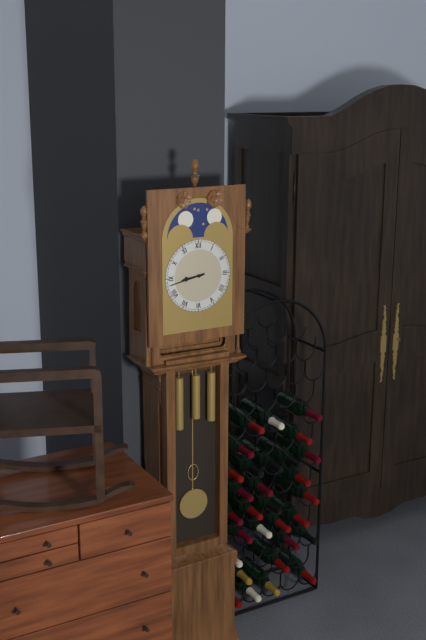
8:43
